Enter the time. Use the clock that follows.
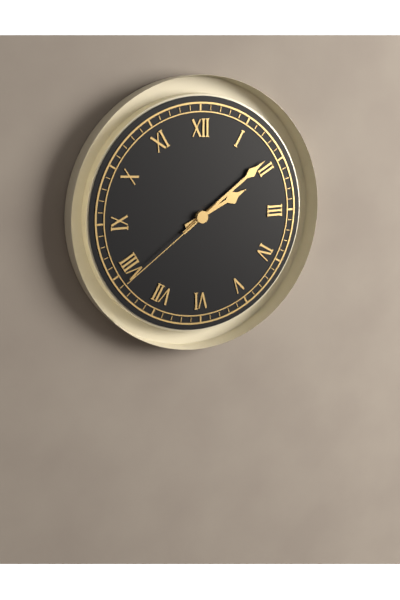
2:09:39
